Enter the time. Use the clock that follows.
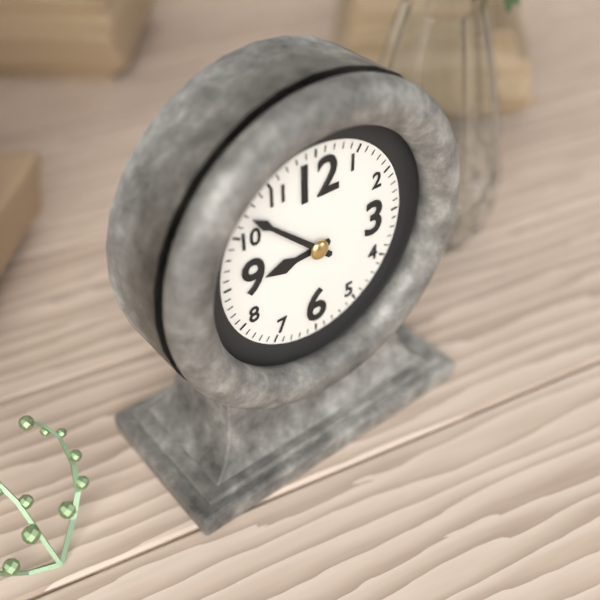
8:52
